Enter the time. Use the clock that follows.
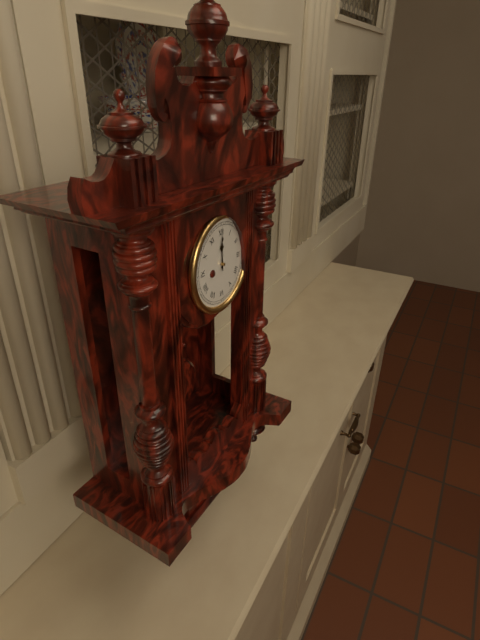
12:00
